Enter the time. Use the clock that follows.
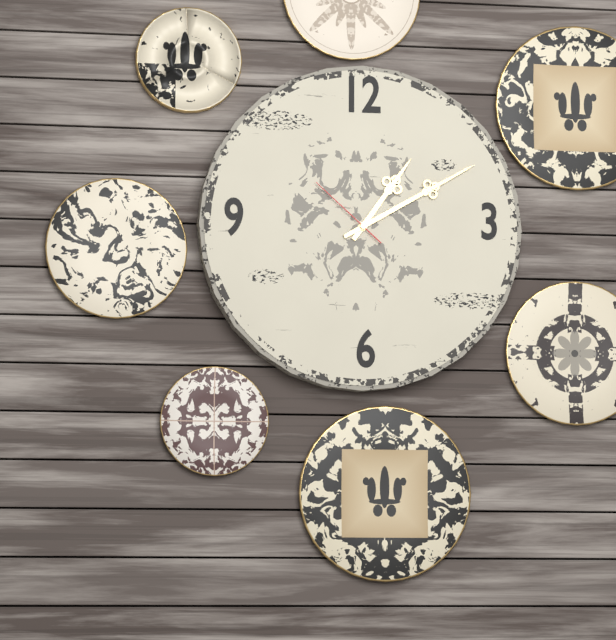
1:10:52
